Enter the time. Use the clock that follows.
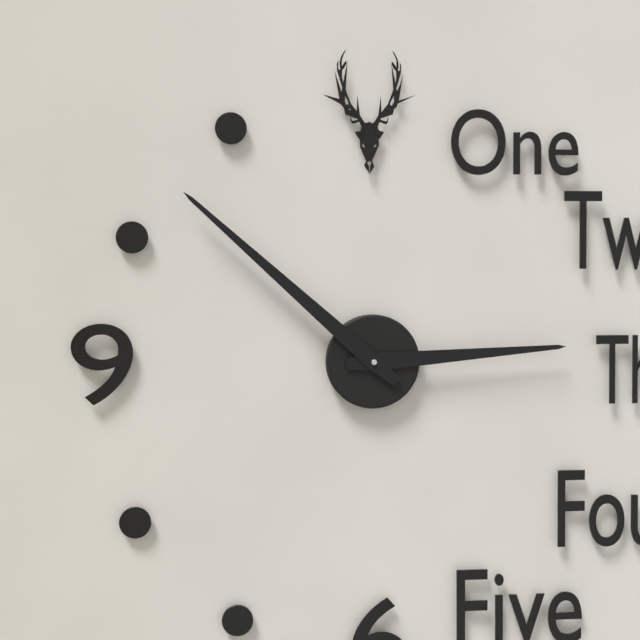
2:52
